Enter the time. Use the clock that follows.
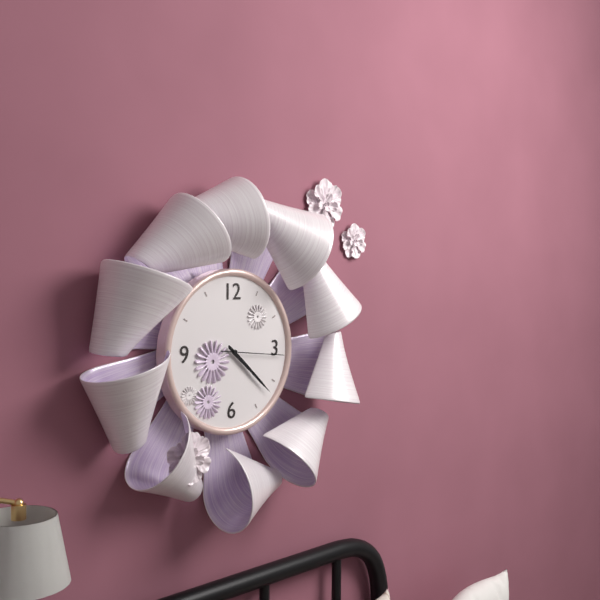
4:22:16
